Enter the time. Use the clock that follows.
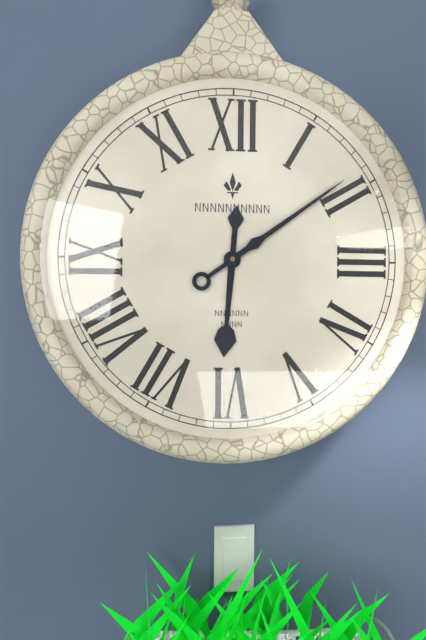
6:09
